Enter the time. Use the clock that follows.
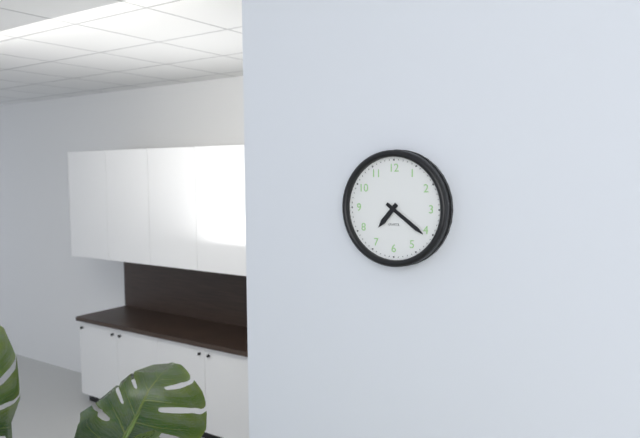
7:21
